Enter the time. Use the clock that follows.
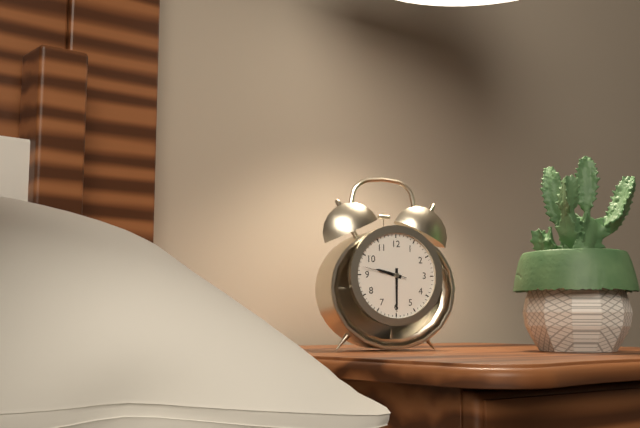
9:30
